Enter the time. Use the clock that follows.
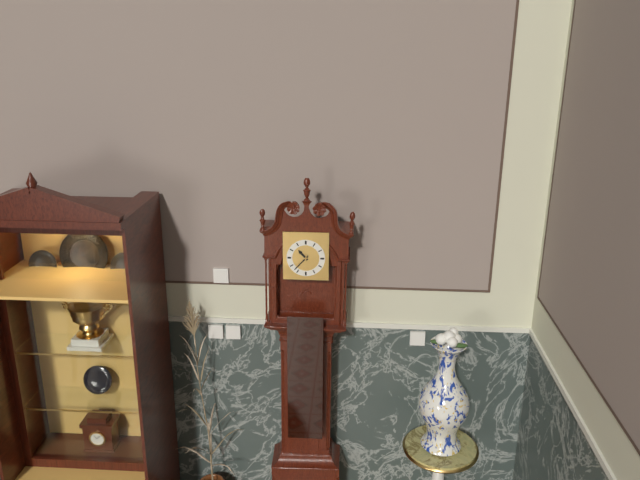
10:37
